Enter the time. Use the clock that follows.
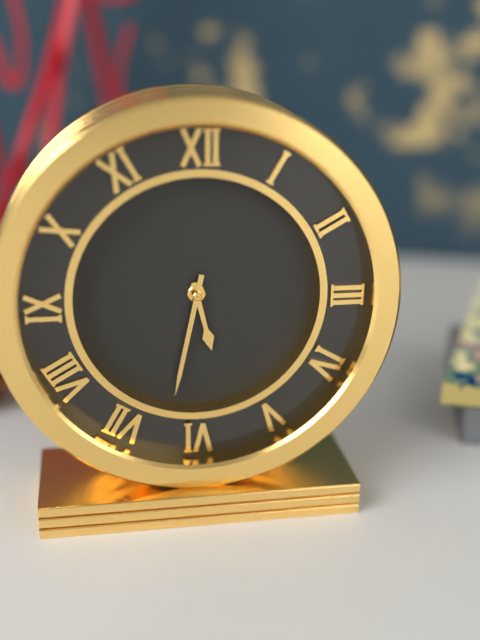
5:32
